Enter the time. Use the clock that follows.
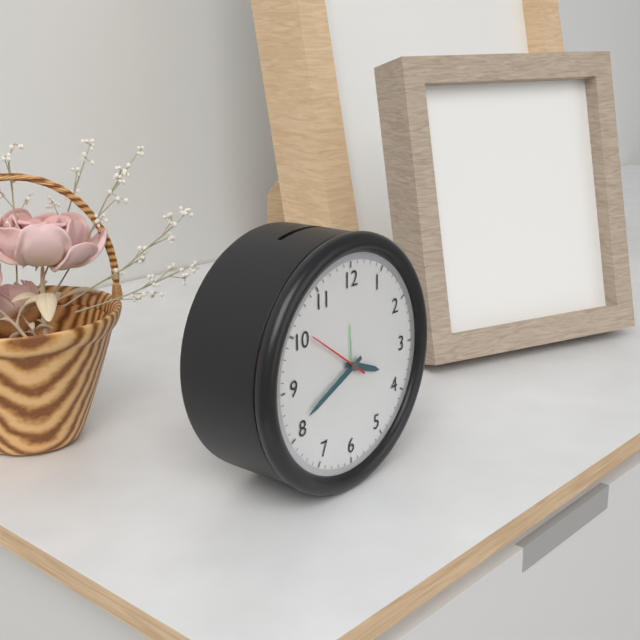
3:41:51
